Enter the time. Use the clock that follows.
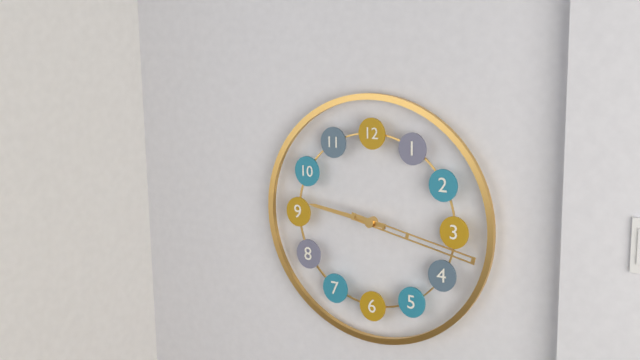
9:17
